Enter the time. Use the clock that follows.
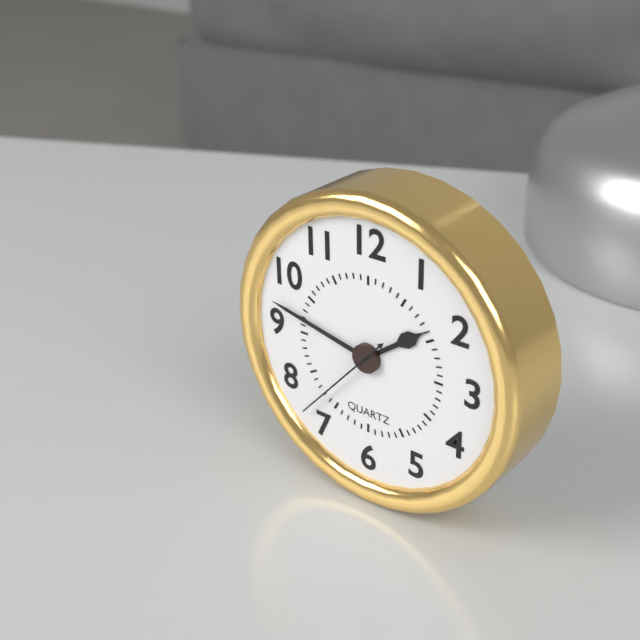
1:47:37
